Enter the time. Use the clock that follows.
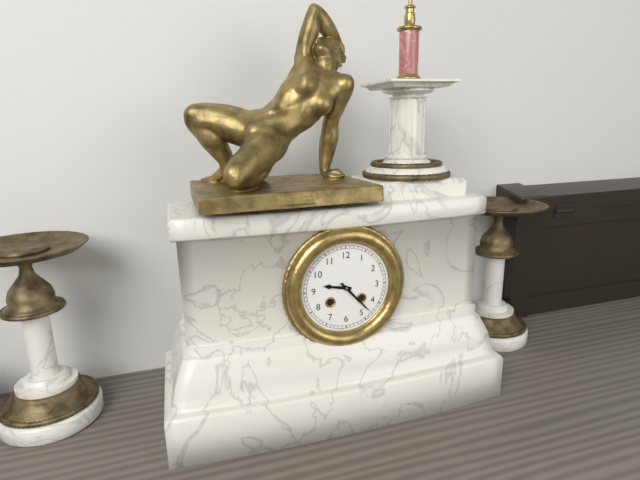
9:23
